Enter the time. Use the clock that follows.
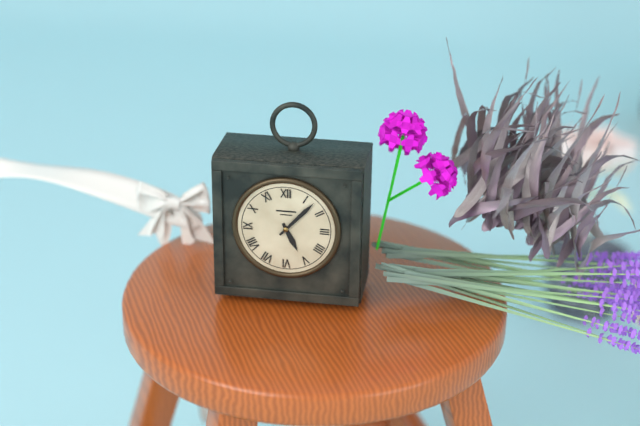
5:07
